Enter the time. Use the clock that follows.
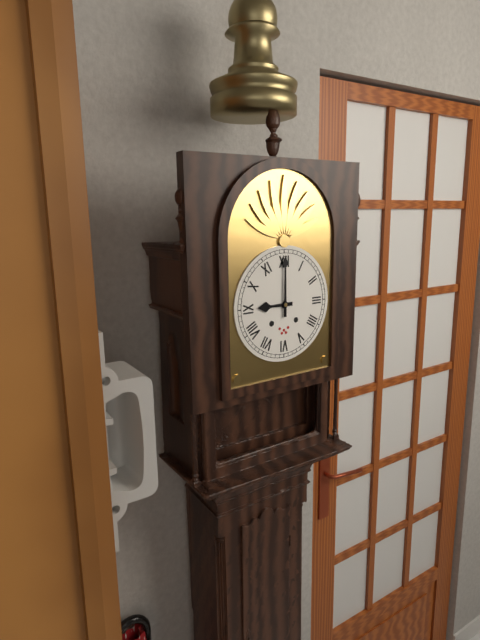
9:00
